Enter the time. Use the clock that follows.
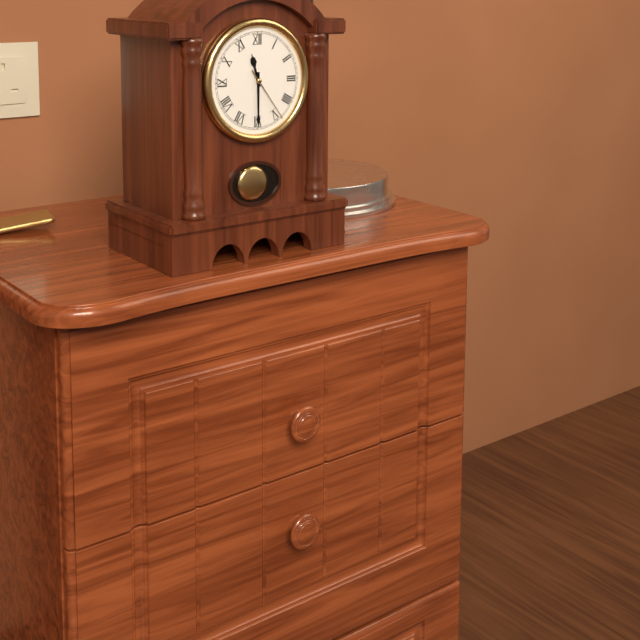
11:30:24
